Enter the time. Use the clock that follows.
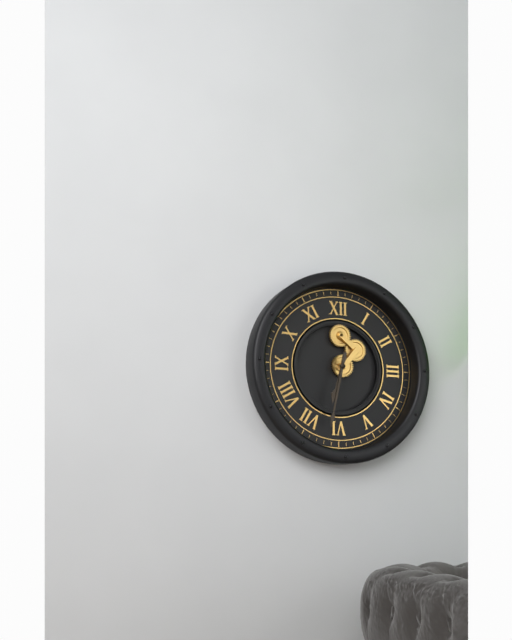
6:32
